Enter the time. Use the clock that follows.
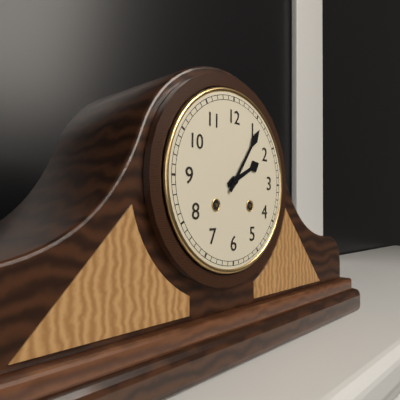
2:06
